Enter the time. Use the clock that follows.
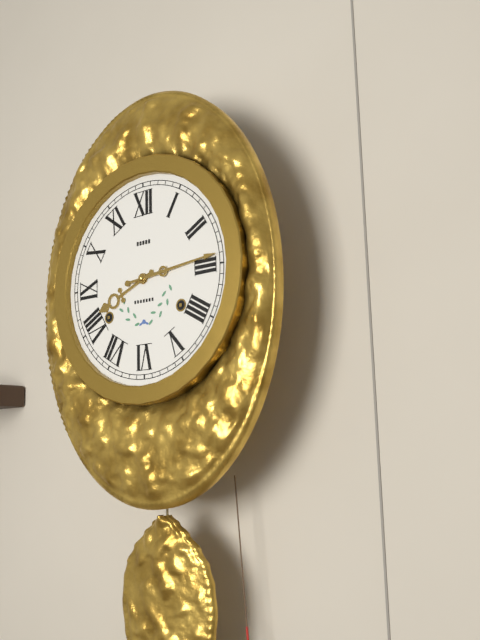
8:14
